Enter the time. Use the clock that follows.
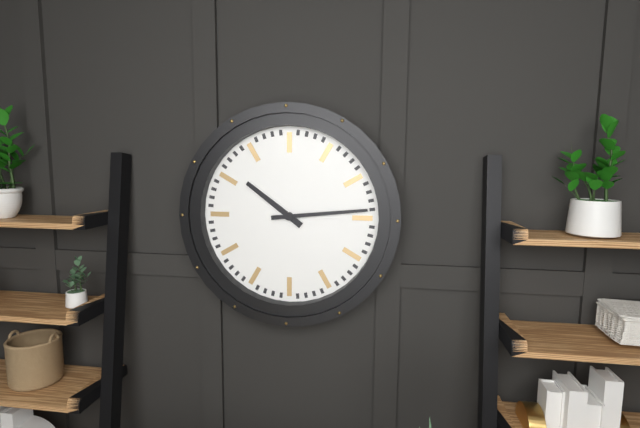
10:14
